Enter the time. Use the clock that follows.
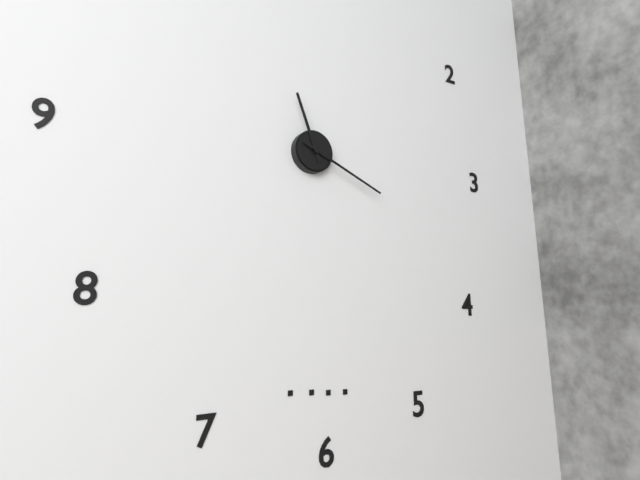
11:19
